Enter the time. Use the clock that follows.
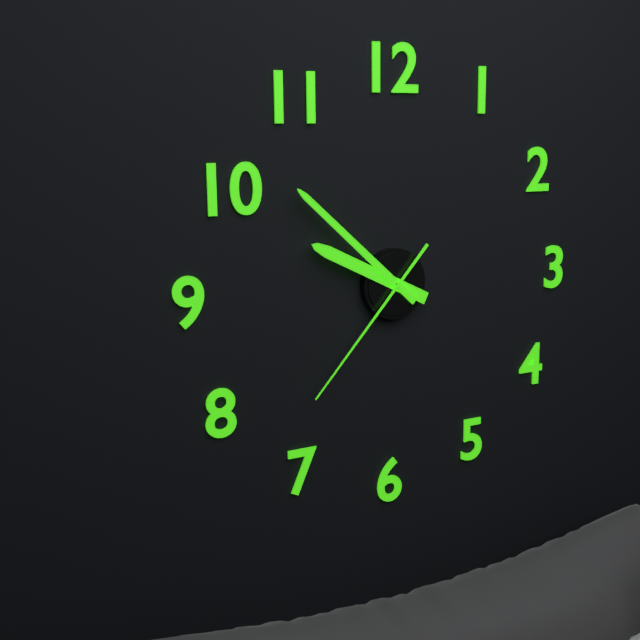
9:52:37
